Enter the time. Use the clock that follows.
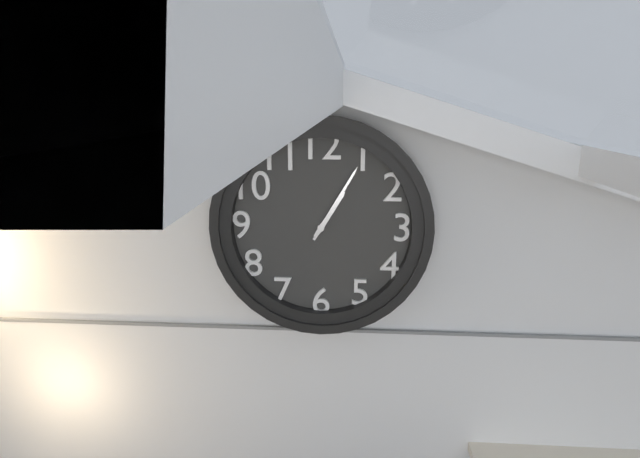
1:05
